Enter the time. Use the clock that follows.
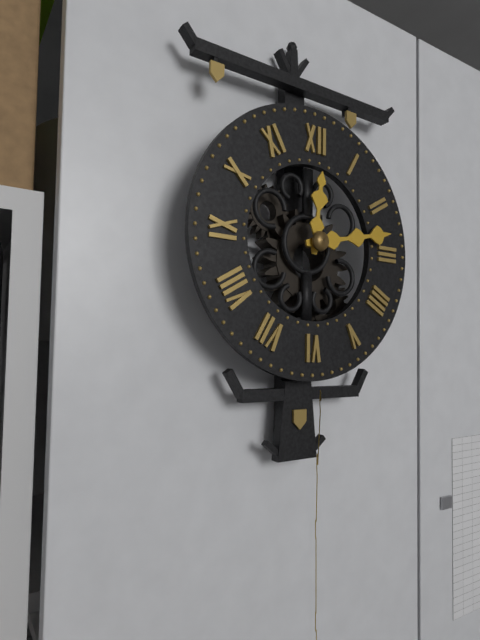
12:13
